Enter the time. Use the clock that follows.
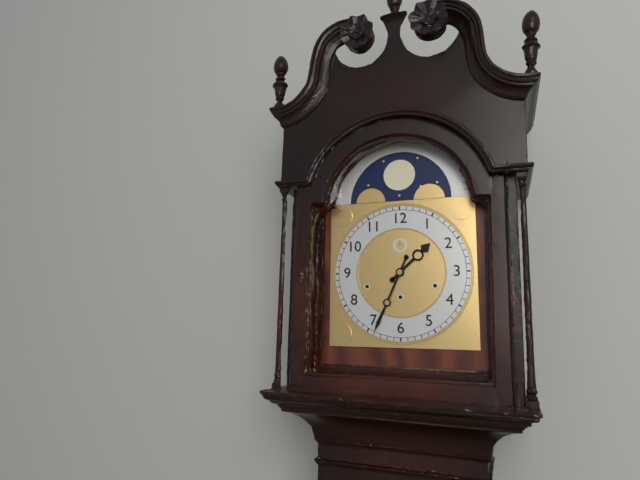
1:34
